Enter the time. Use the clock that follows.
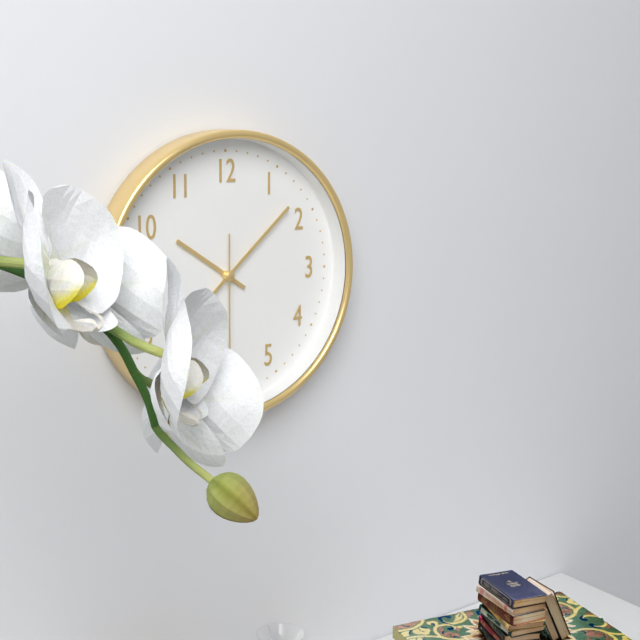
10:08
